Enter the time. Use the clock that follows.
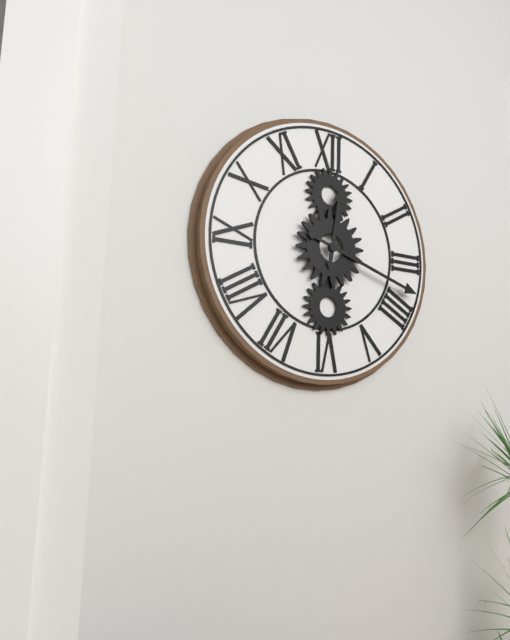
12:18
